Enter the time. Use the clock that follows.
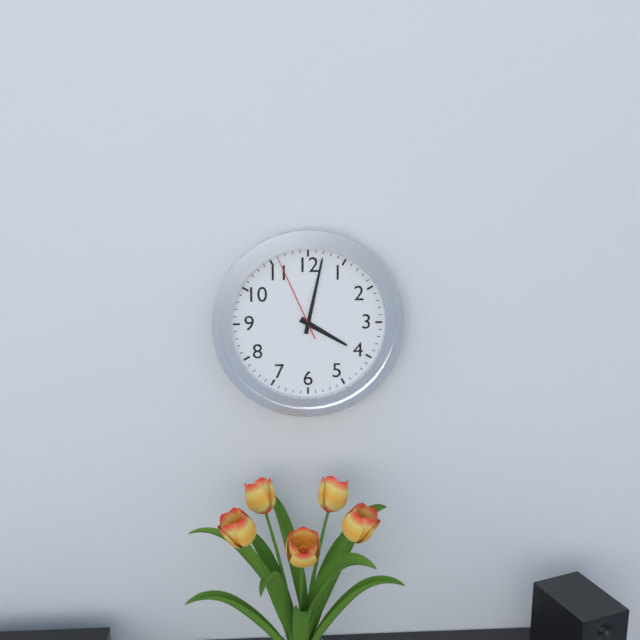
4:02:56
